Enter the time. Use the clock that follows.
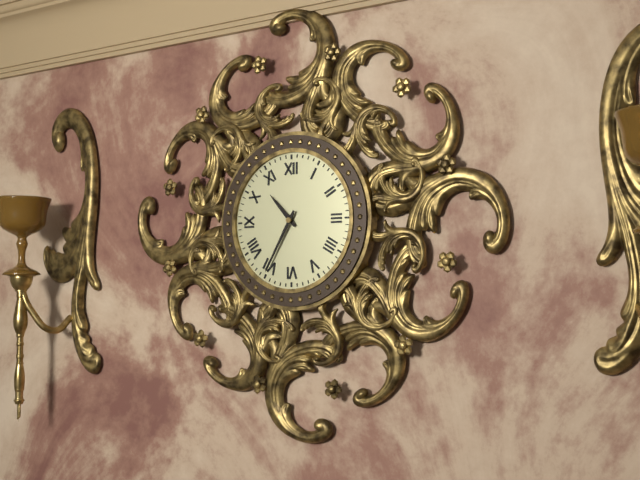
10:35
